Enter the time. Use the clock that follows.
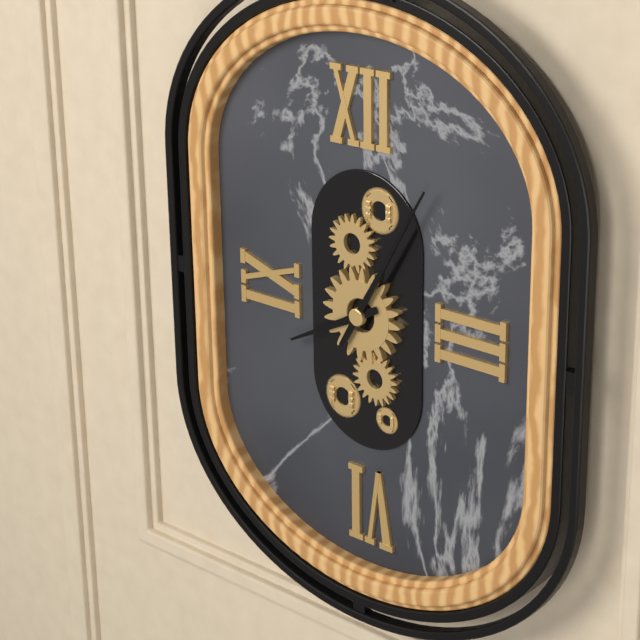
8:05
